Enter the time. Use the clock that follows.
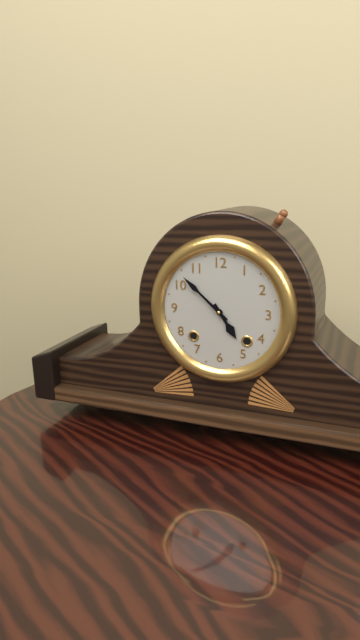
4:52
